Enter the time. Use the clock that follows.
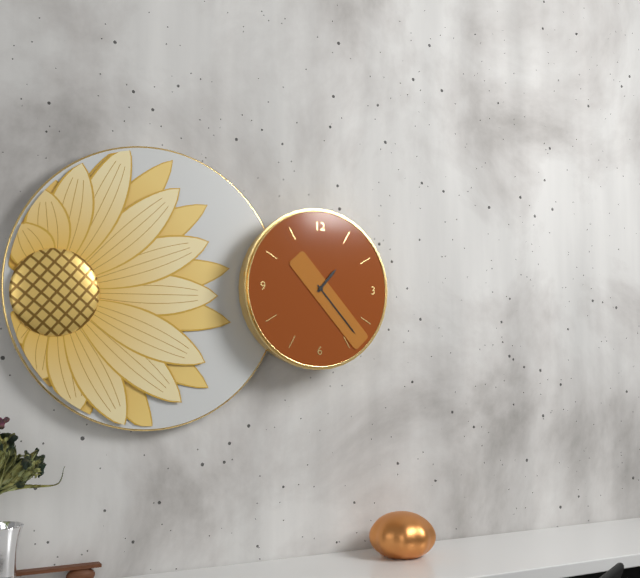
1:23
